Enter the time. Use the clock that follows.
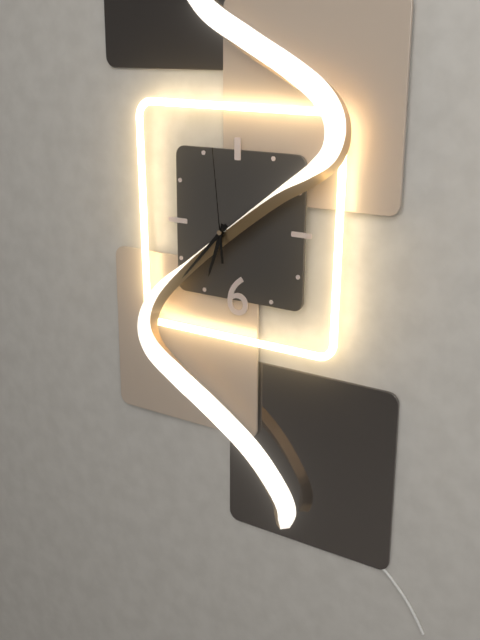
6:37:59
